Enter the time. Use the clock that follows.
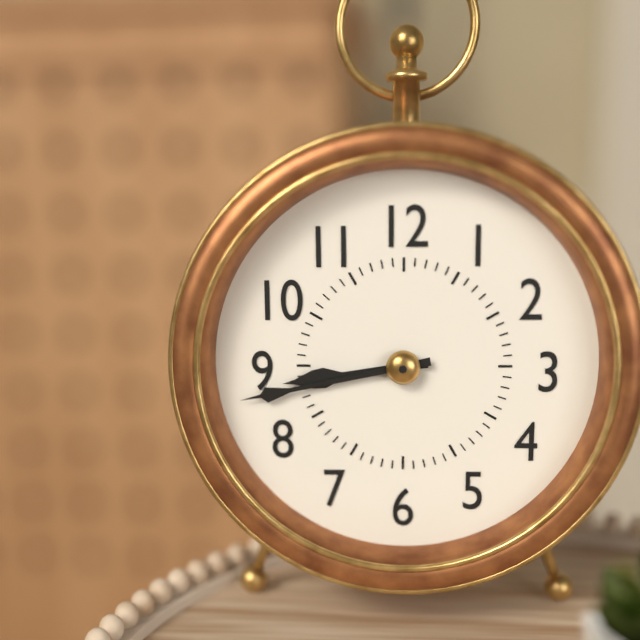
8:43
